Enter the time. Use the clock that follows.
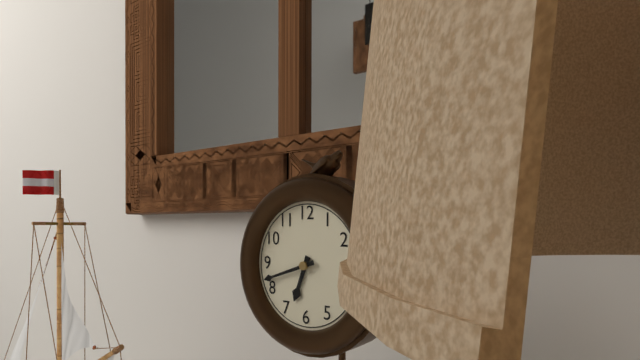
6:42
